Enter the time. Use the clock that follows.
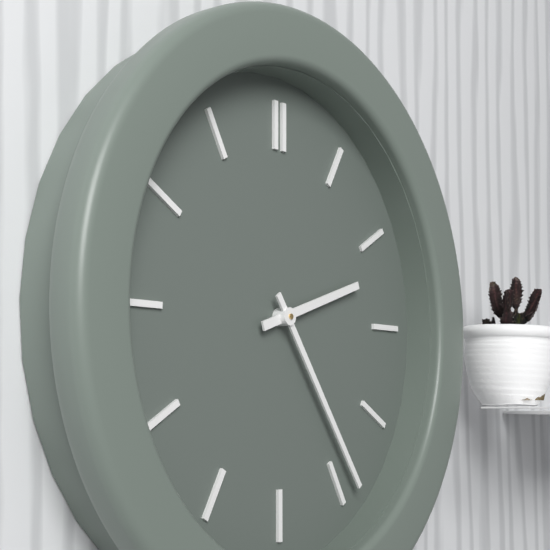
2:24
